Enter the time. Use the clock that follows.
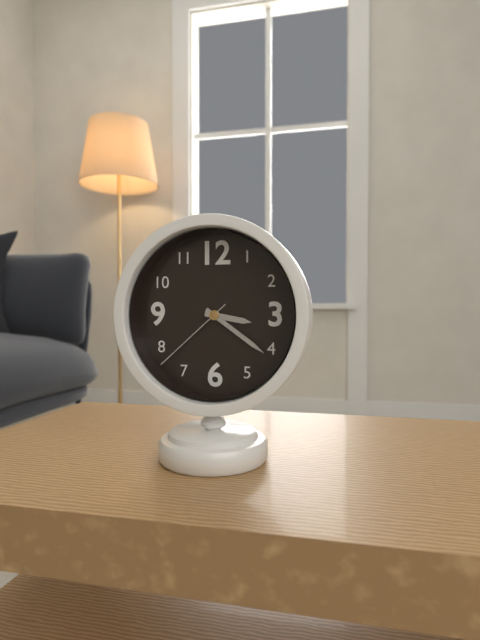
3:21:38
